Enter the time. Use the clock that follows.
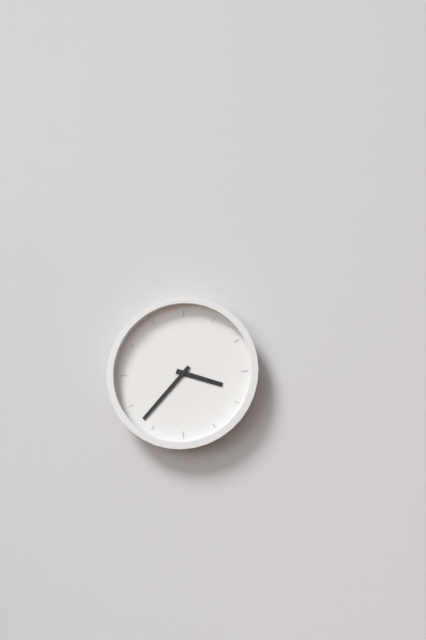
3:37
